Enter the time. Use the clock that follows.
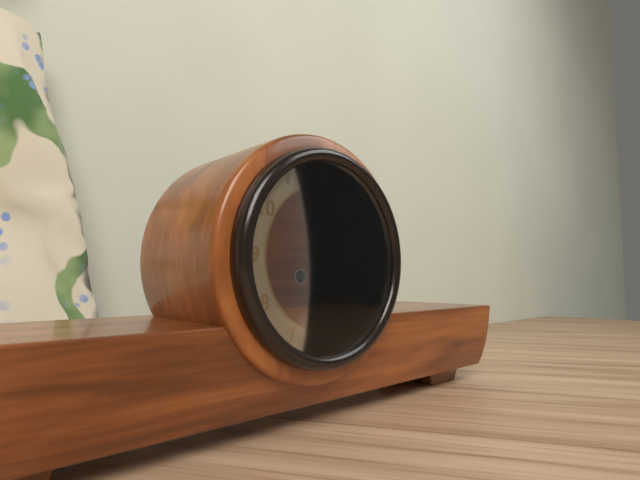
2:24
